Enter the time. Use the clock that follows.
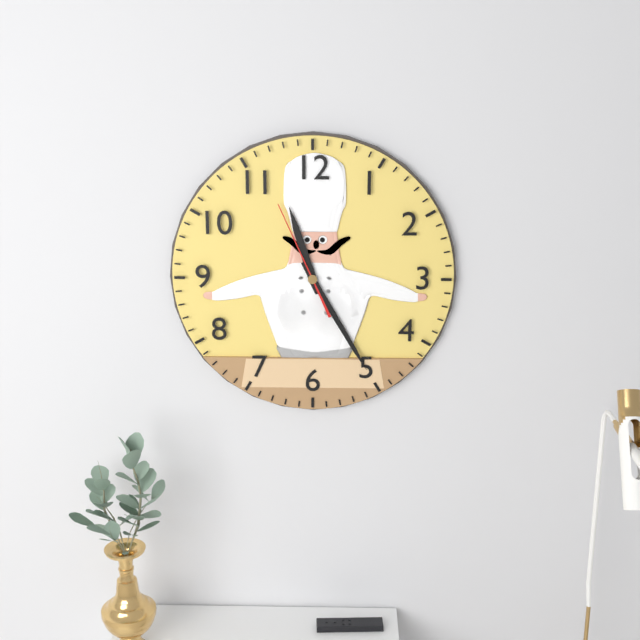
11:25:56
